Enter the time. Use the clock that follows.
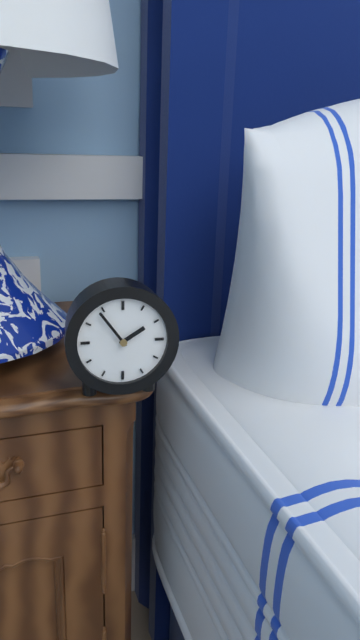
1:54
